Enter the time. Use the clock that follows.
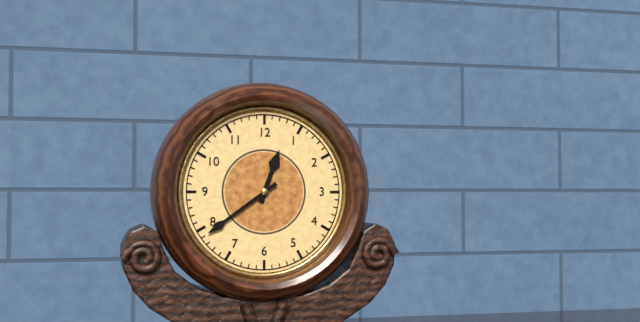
12:39
